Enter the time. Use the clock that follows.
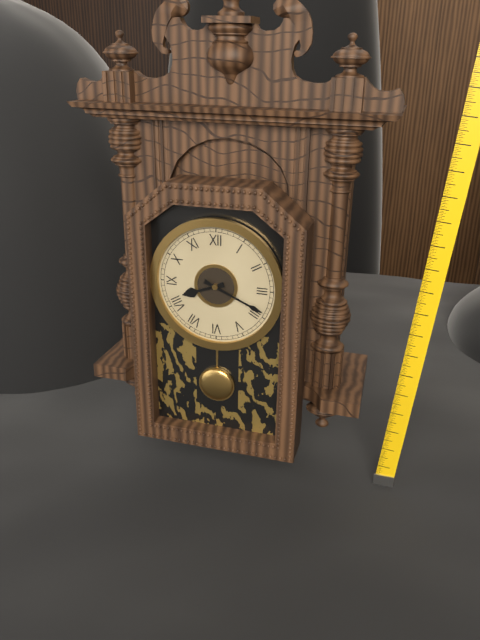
8:19
